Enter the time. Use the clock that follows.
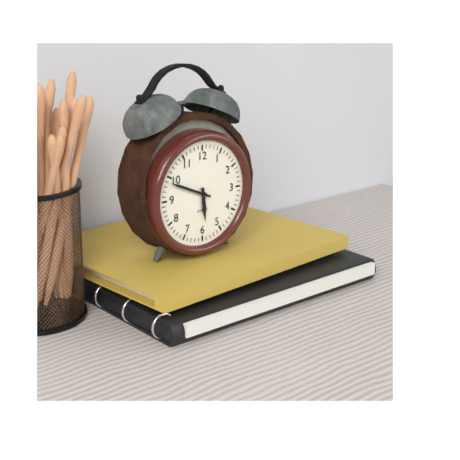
5:49
